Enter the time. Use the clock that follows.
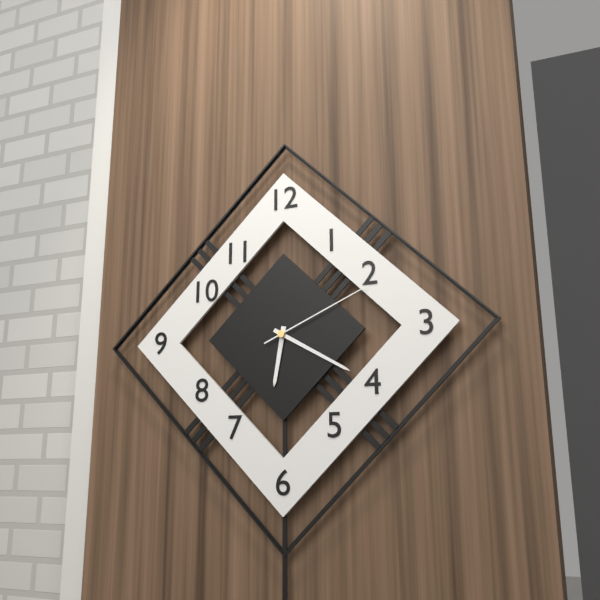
6:20:11
